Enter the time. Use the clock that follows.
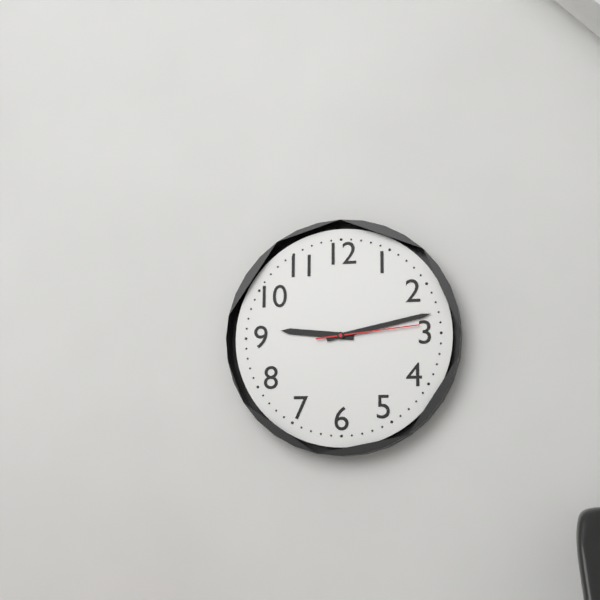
9:13:14
